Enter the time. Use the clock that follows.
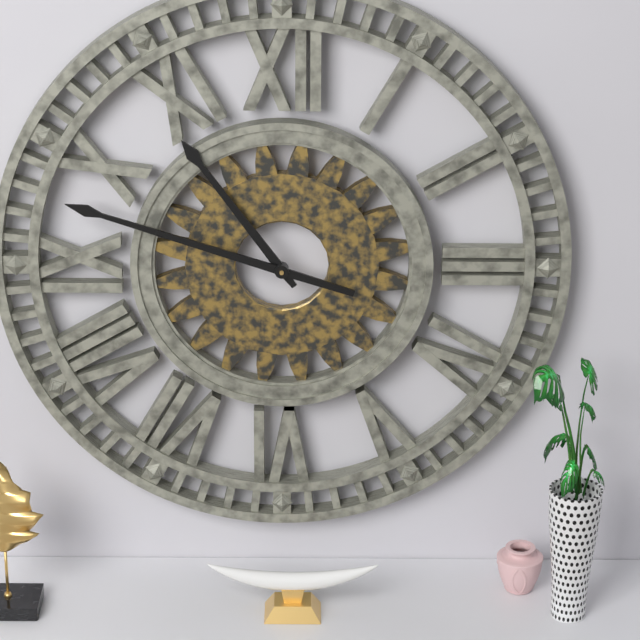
10:48
